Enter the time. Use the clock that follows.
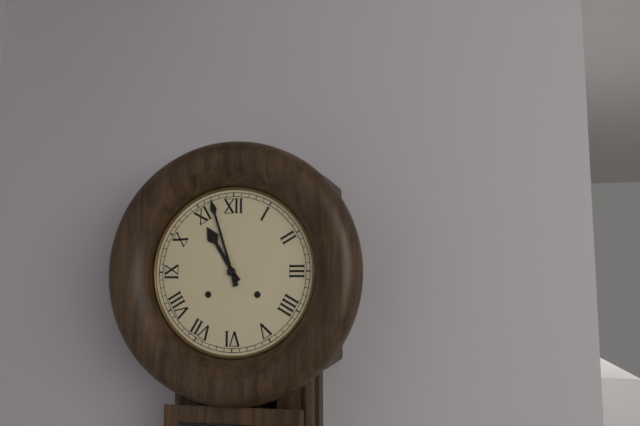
10:57
